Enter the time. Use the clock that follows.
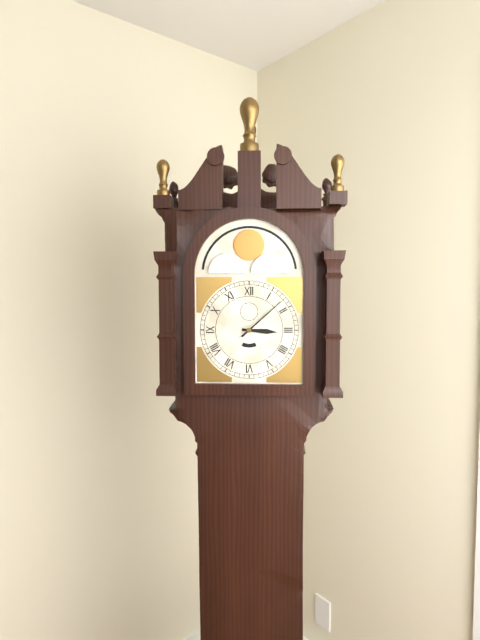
3:08
